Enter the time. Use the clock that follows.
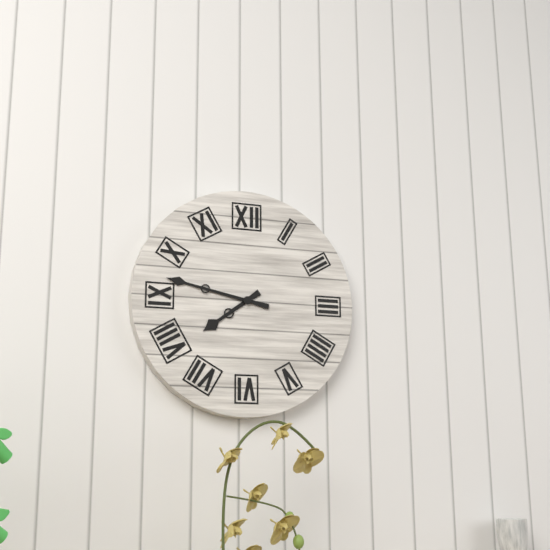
7:47
